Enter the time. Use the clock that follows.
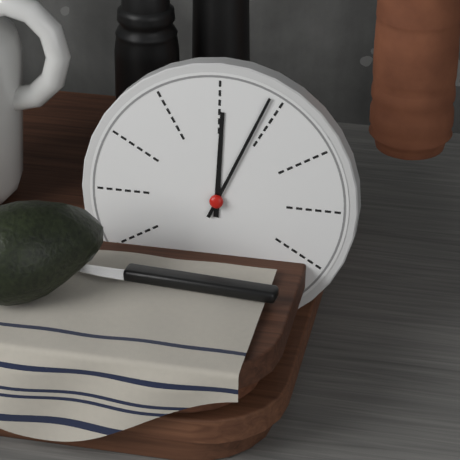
12:04
